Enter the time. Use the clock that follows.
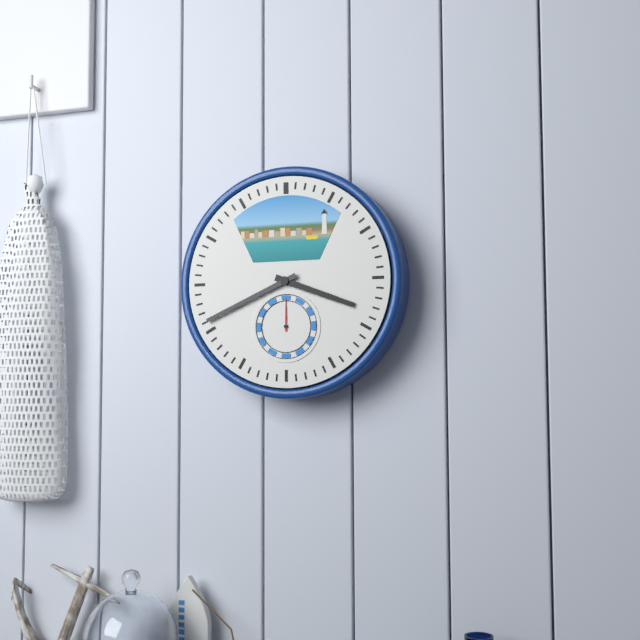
3:41
